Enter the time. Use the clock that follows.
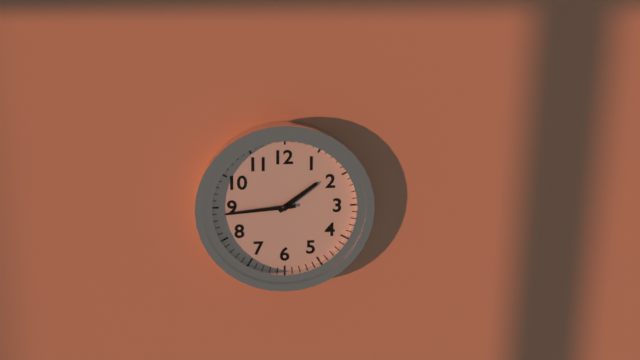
1:44
